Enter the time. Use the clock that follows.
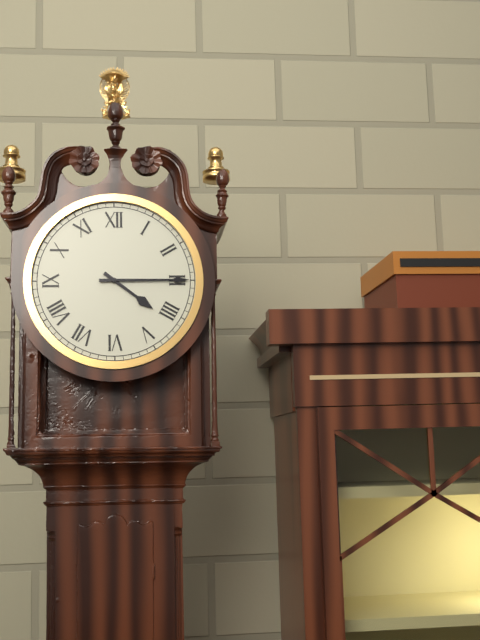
4:15
